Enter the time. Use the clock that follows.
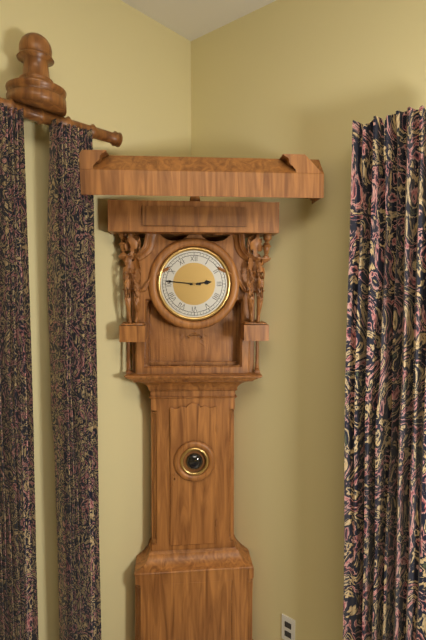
2:46
